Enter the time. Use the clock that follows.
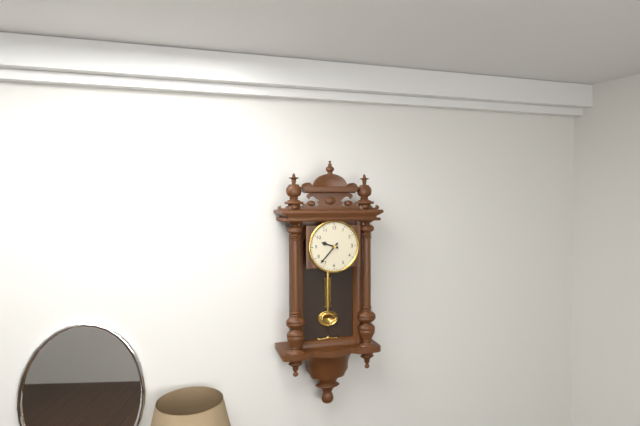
9:37
